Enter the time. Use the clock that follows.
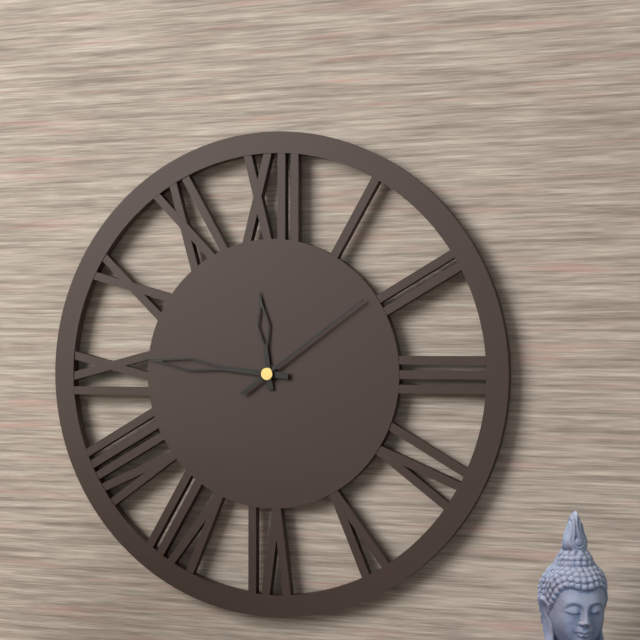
11:46:09
